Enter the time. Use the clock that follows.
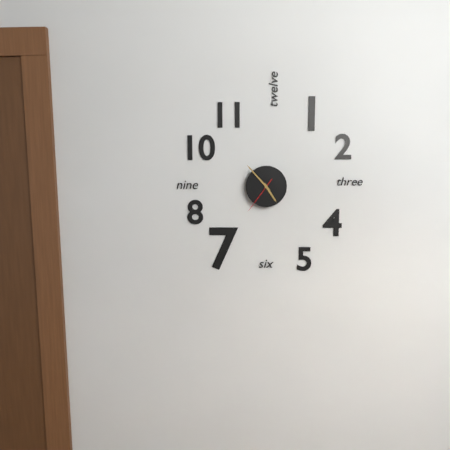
4:53
